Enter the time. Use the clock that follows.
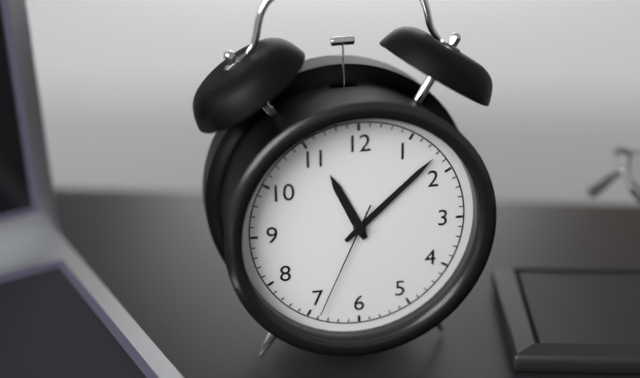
11:08:34
